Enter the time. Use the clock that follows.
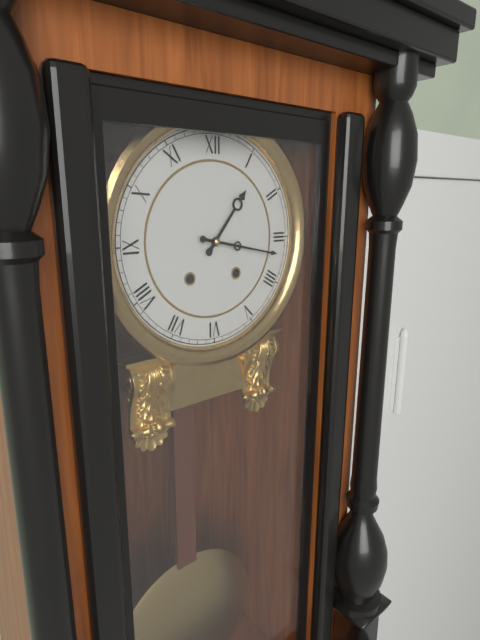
1:17
